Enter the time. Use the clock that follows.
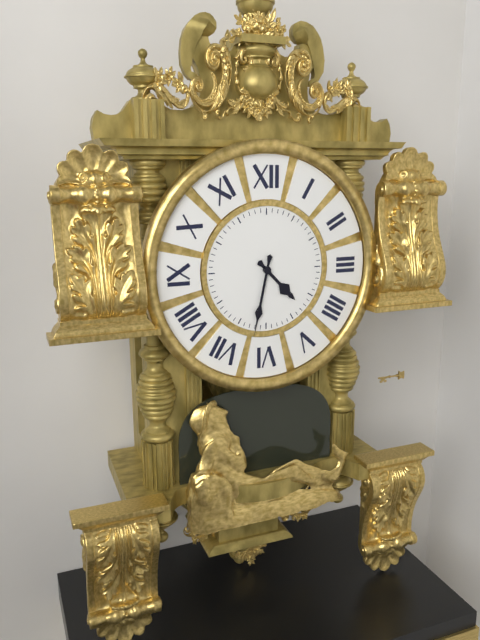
4:32
